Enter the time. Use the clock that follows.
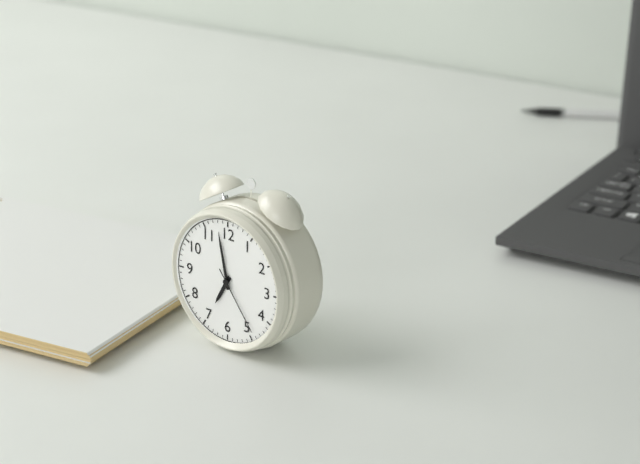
6:58:24
